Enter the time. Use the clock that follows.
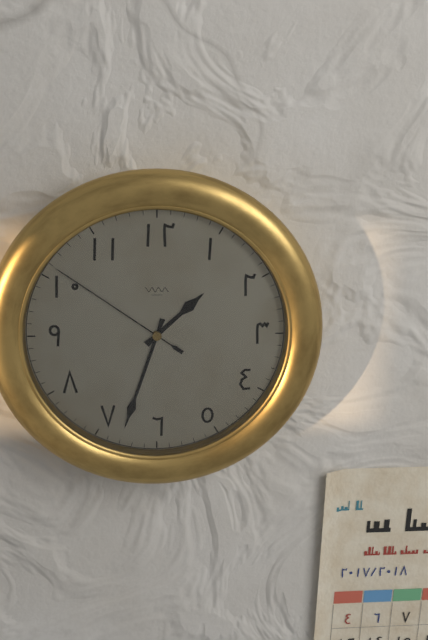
1:33:51
